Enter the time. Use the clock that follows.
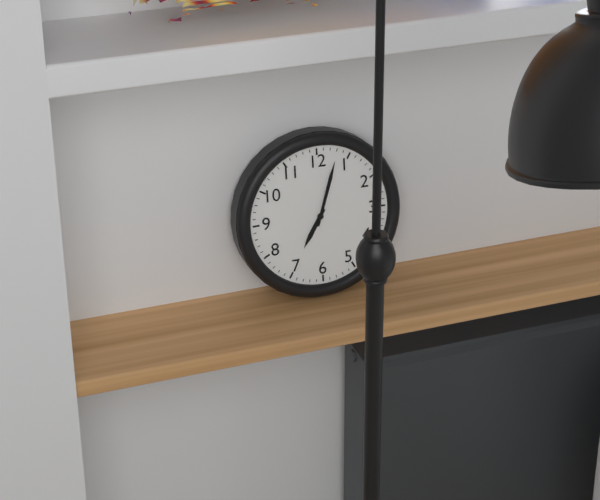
7:03
